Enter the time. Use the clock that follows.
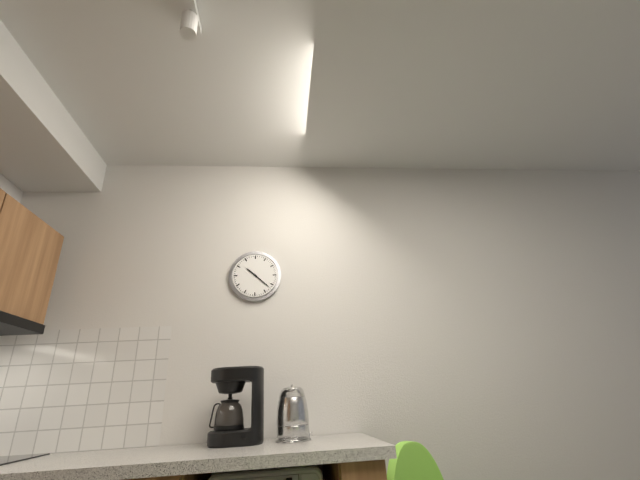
10:22
